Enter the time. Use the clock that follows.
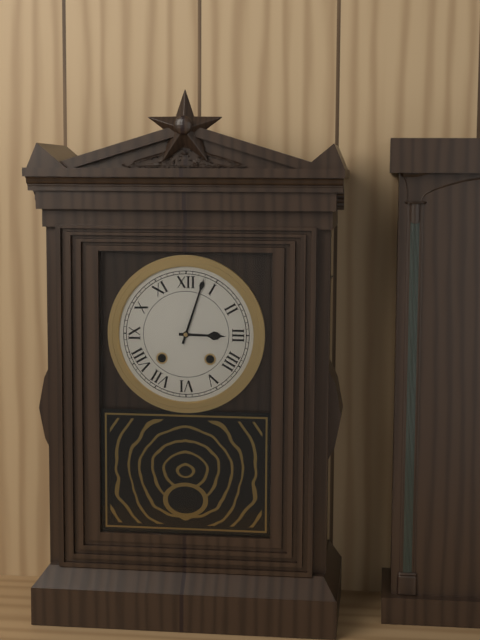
3:03
